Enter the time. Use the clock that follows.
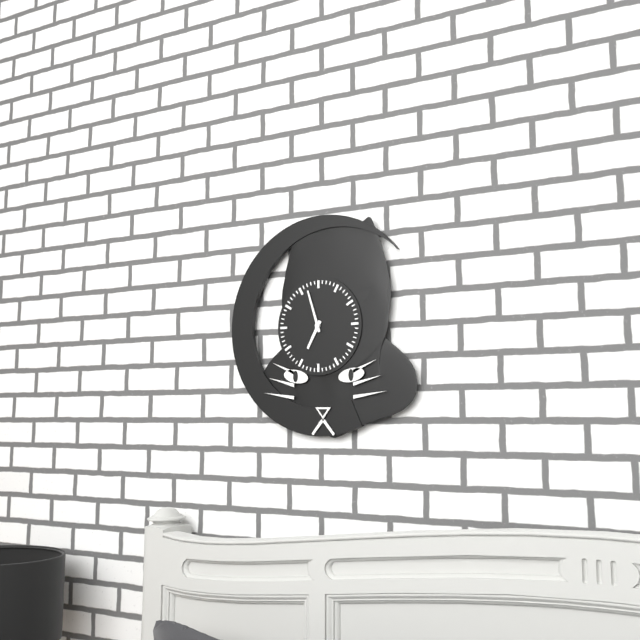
6:57
